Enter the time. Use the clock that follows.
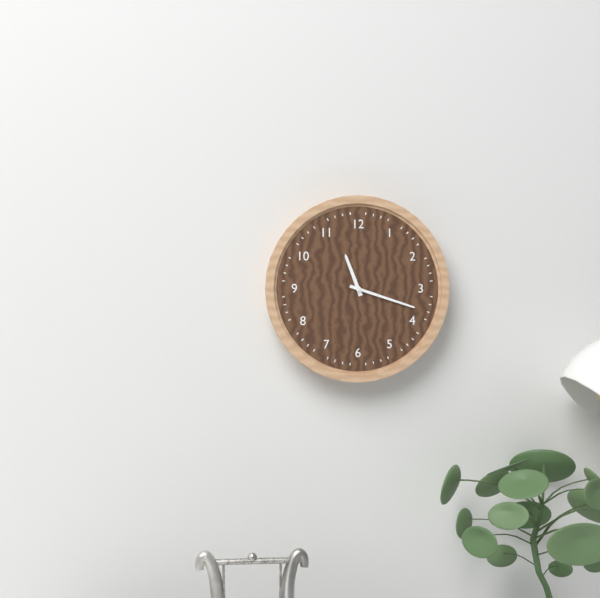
11:18
